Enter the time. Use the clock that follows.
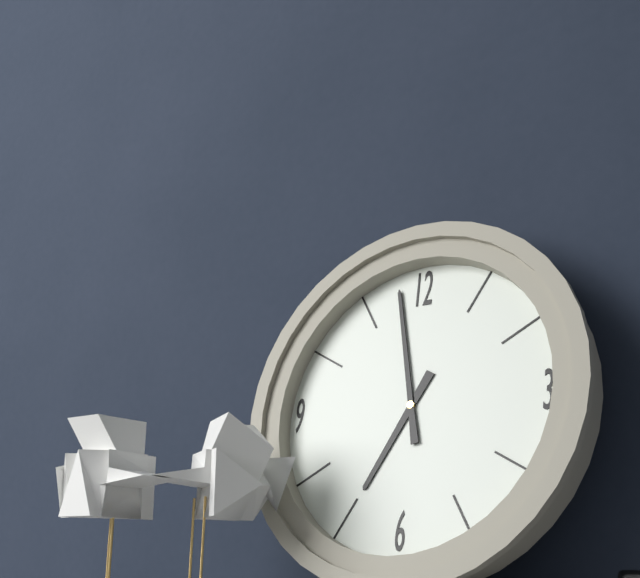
6:58
